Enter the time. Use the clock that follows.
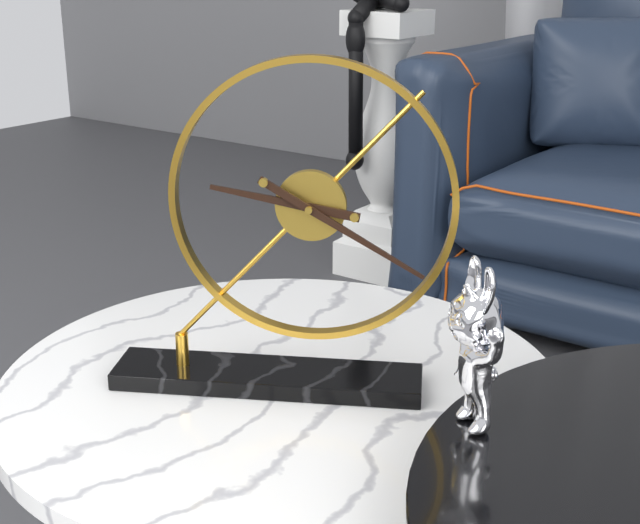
9:20
